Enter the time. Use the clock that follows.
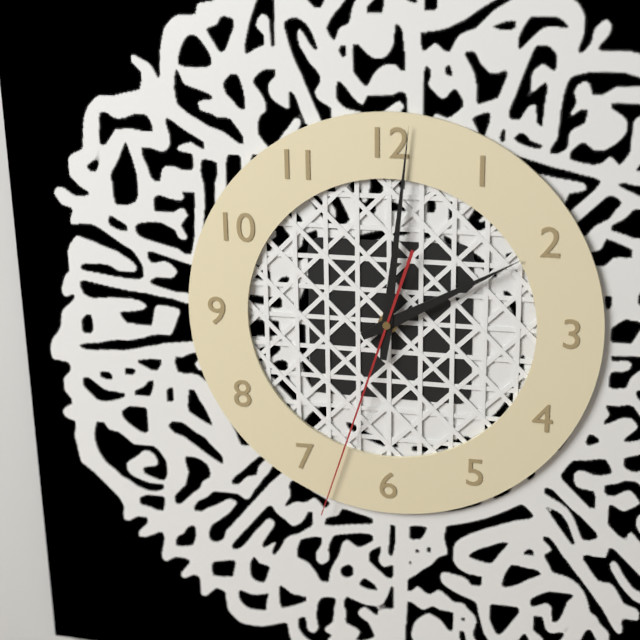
2:01:33
